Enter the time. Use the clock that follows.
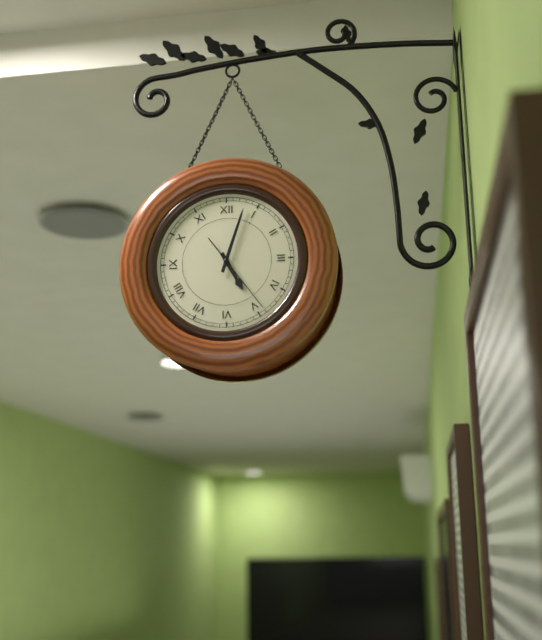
5:03:24
